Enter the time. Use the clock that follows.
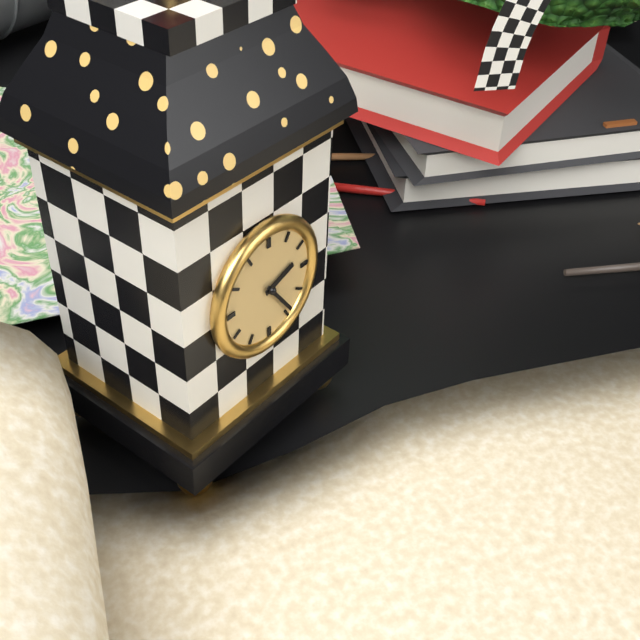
2:24
